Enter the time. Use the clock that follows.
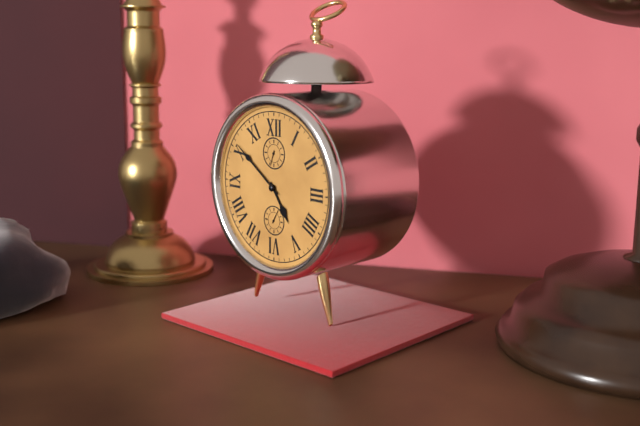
4:51
